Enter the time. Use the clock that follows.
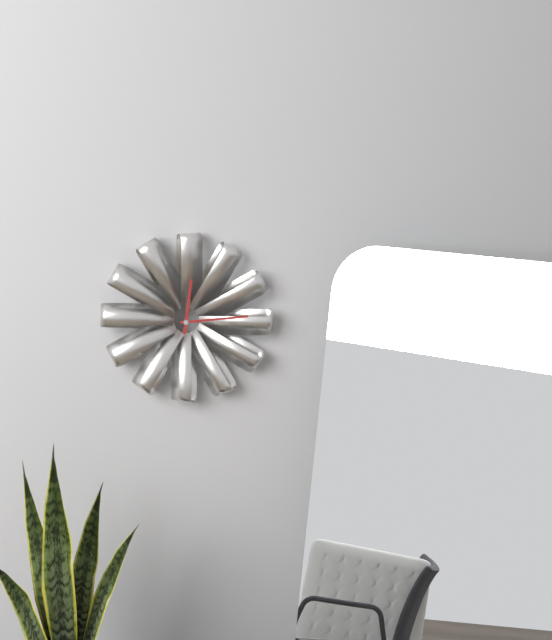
12:14
